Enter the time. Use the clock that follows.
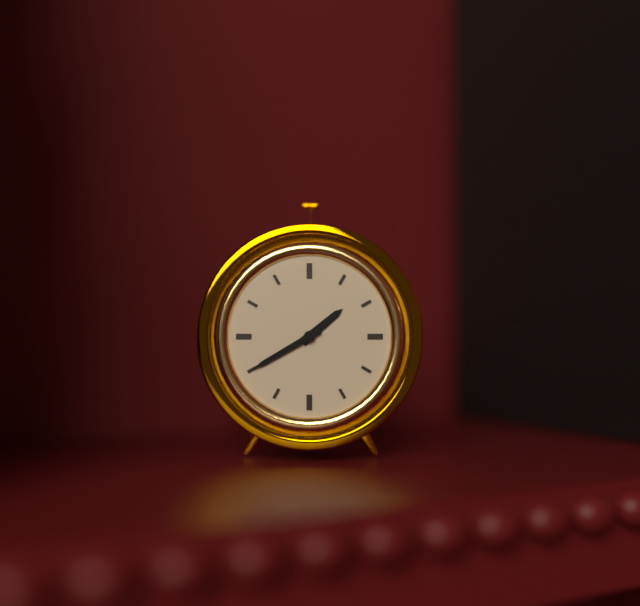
1:40
